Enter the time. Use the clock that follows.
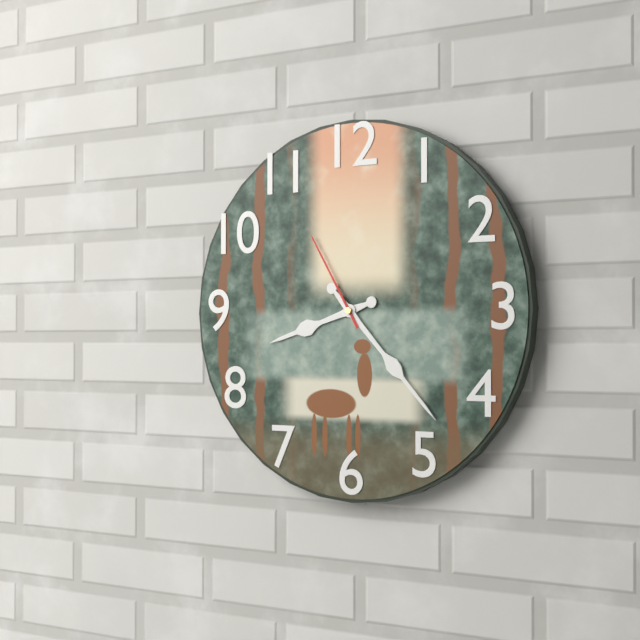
8:23:55
